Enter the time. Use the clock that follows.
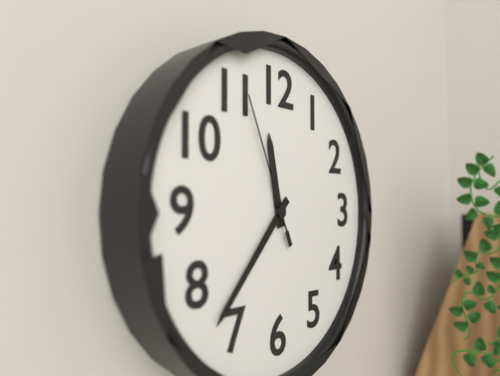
11:37:56
